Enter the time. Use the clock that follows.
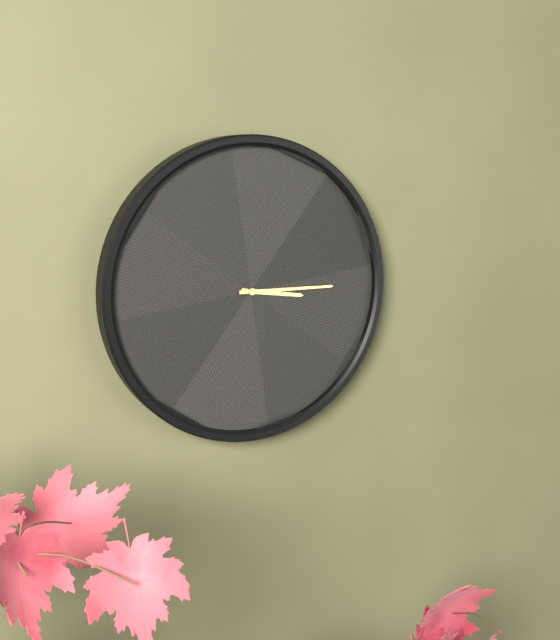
3:15
